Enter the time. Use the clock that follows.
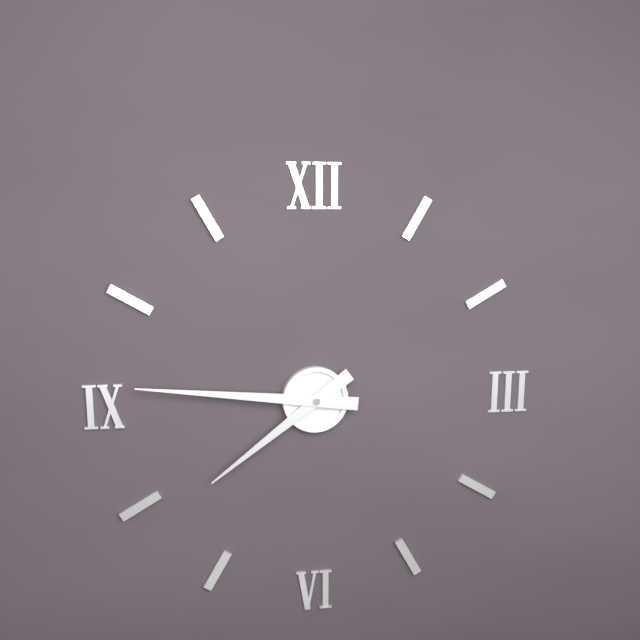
7:46
